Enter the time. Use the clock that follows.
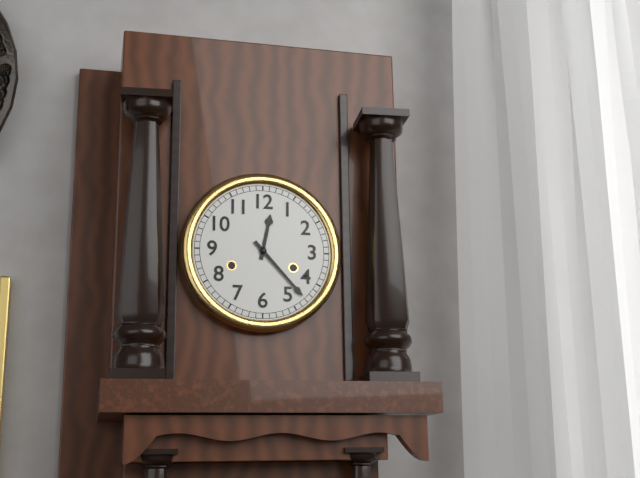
12:23
